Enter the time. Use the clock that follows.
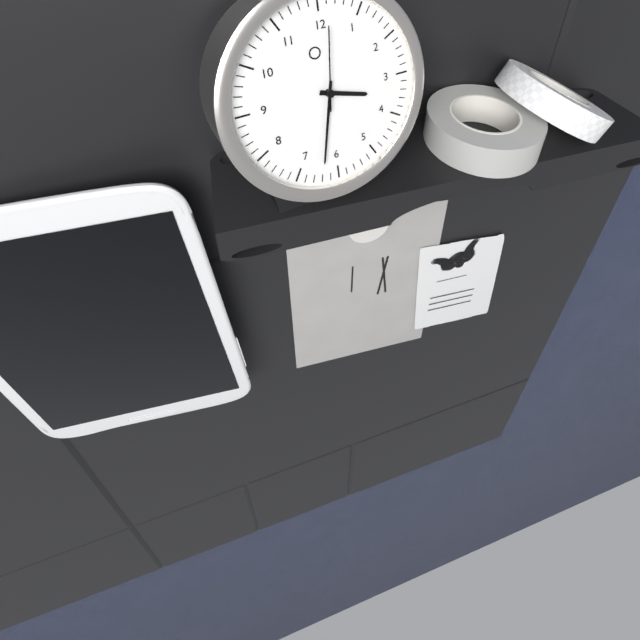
3:32:01
